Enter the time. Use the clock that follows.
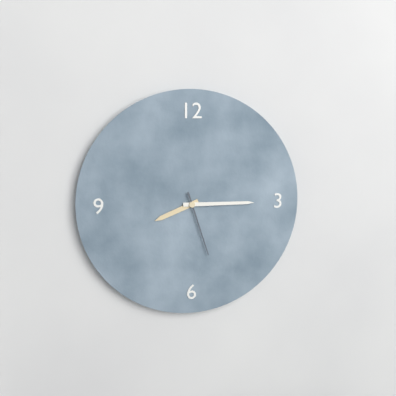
8:15:27
